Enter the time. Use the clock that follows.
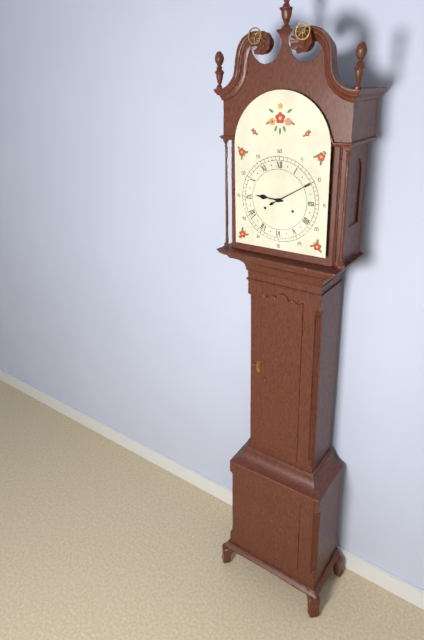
9:10
